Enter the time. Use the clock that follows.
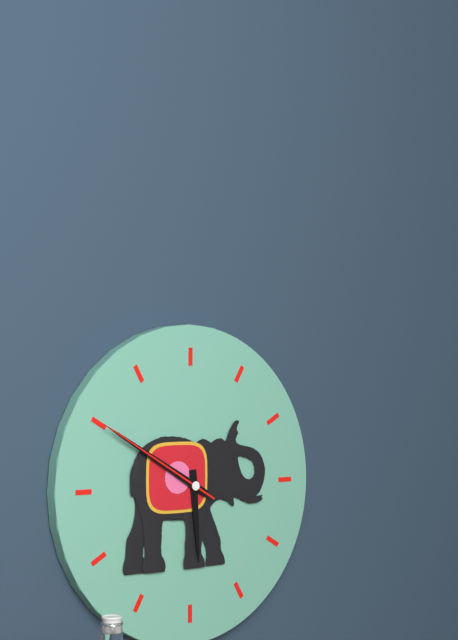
5:50:50
